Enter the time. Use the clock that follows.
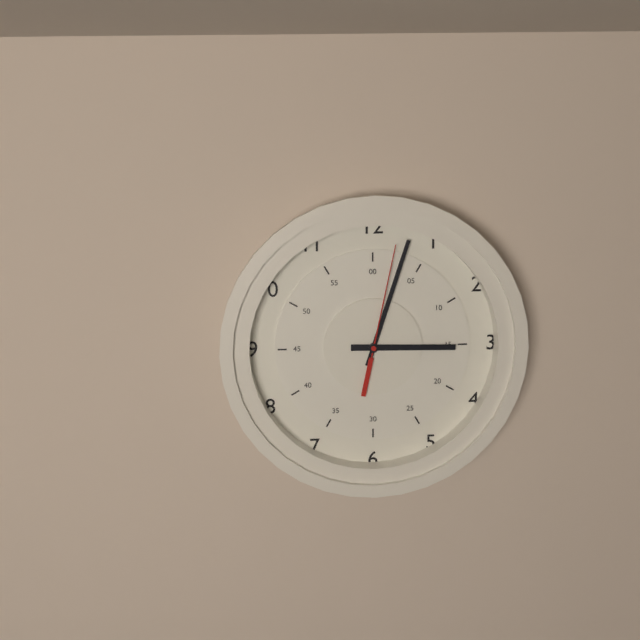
3:03:02
